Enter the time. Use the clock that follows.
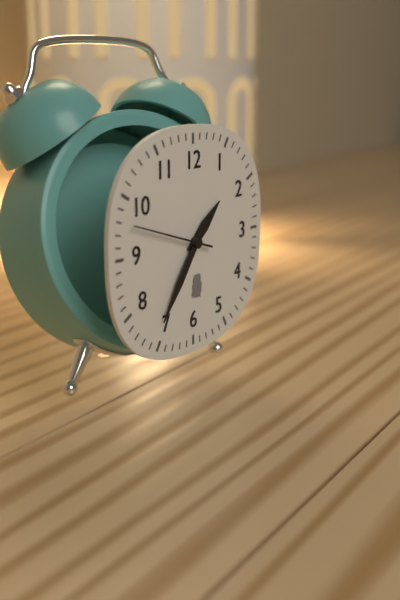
1:36:48
